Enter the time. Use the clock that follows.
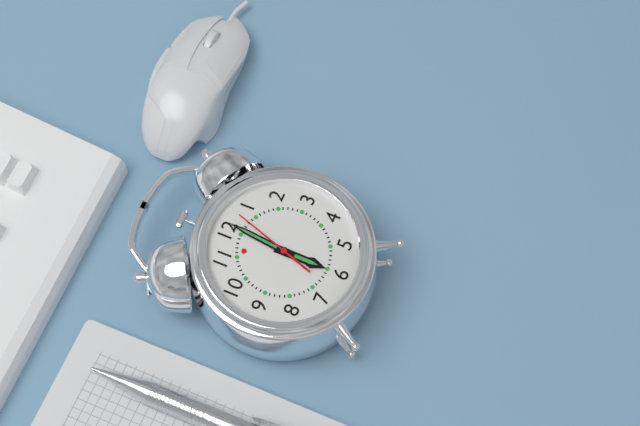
6:01:03
